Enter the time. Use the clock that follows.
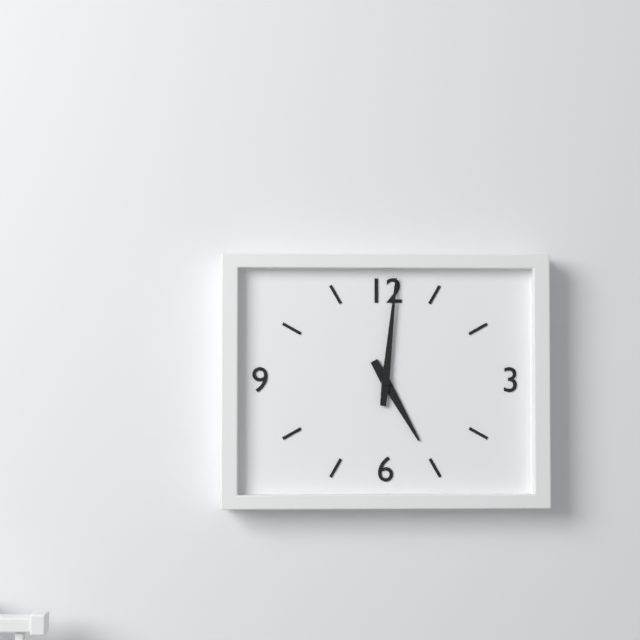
5:01
